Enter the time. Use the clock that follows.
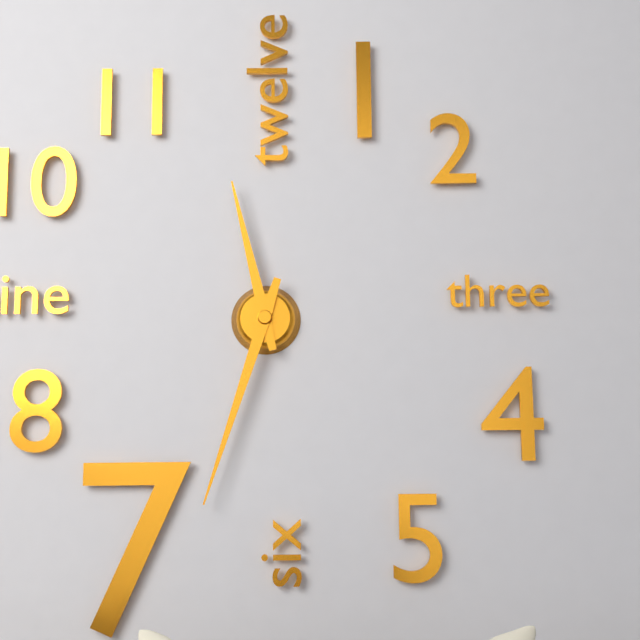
11:33
